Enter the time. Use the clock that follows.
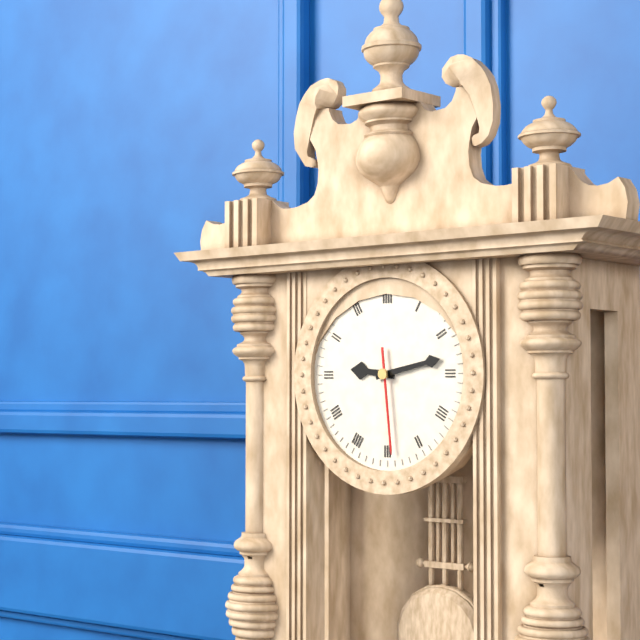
9:13:29
